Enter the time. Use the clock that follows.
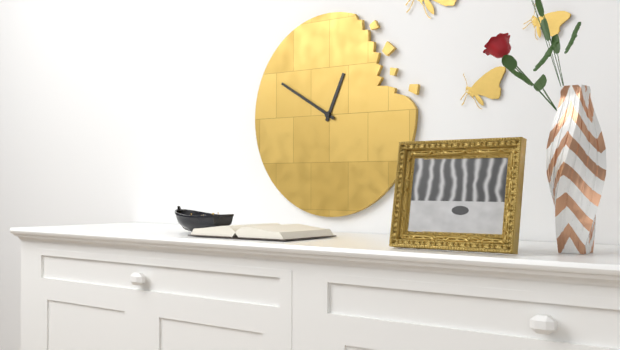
12:50
